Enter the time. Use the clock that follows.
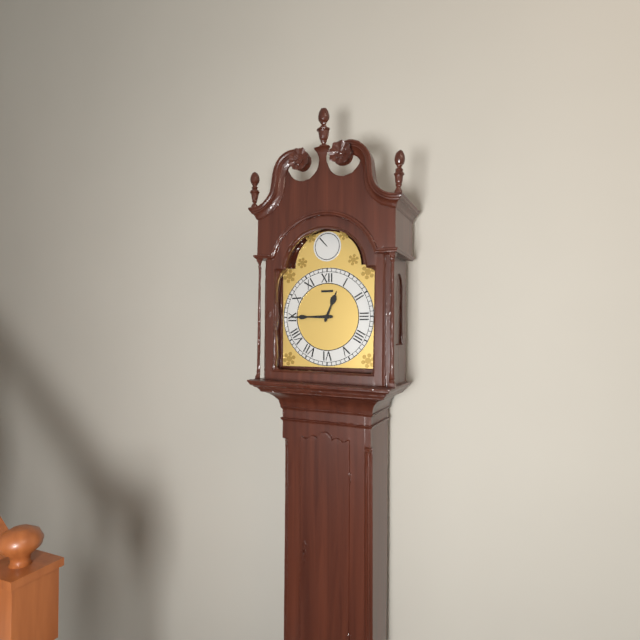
12:45
